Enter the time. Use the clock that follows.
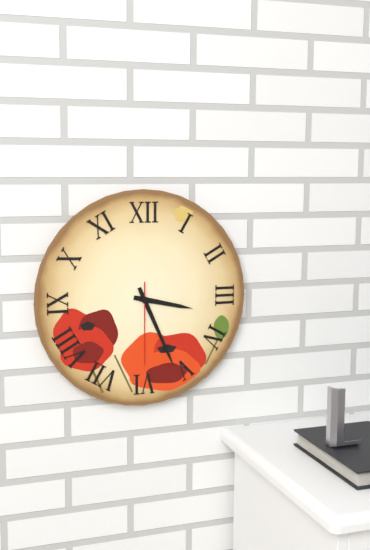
3:26:30
